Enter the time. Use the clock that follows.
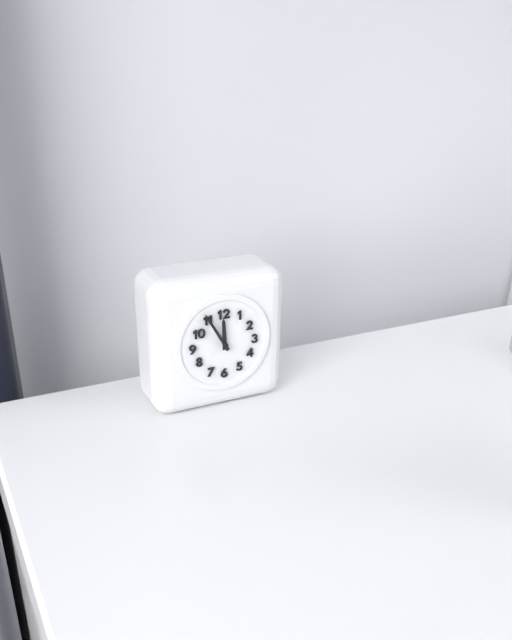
11:55
